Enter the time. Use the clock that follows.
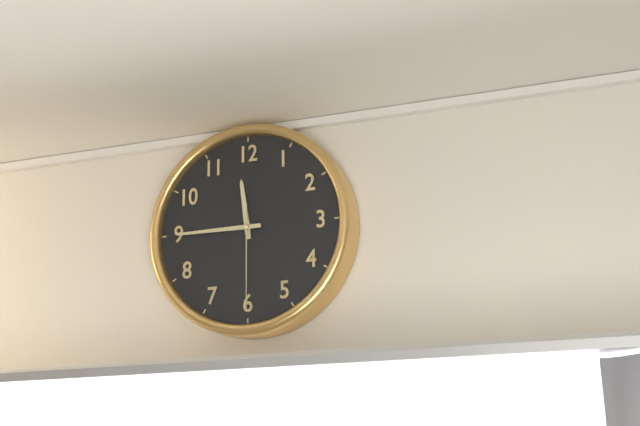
11:45:30
